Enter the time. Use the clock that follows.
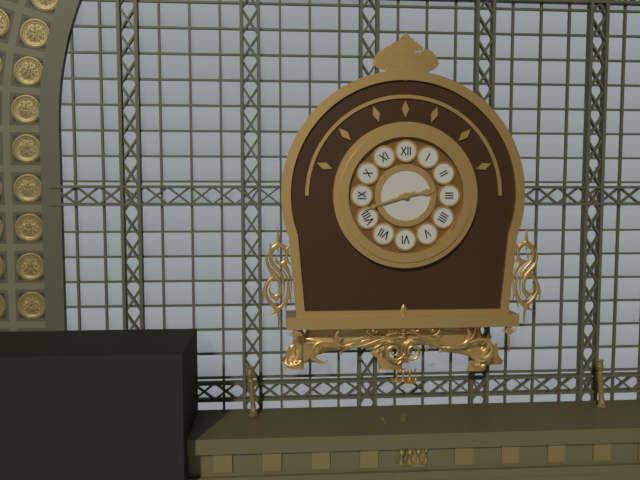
2:42
